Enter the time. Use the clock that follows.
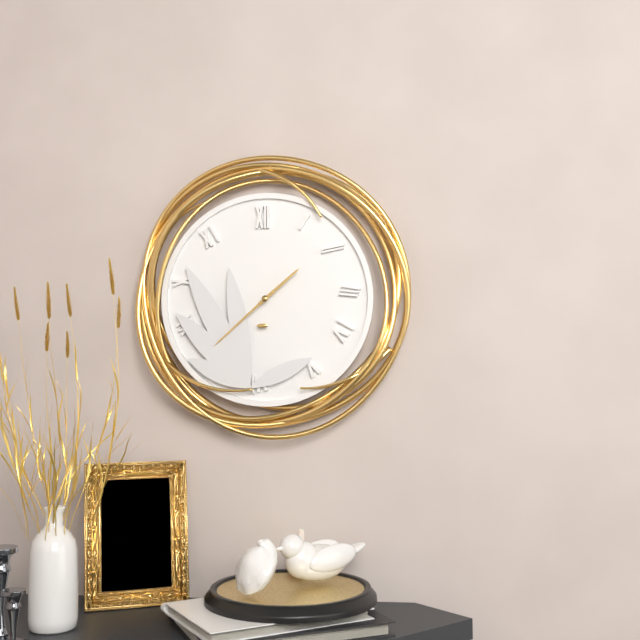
1:38
